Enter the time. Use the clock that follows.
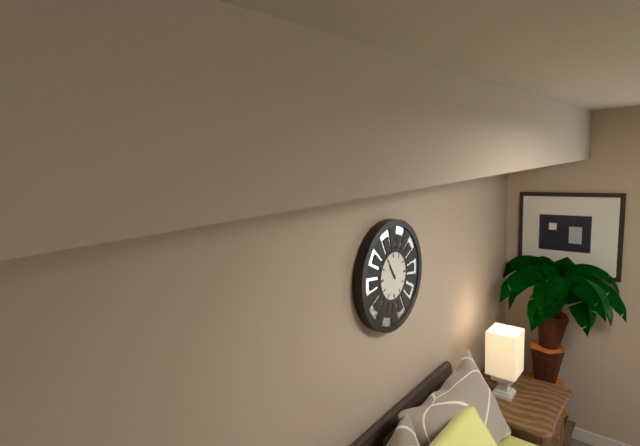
10:55
